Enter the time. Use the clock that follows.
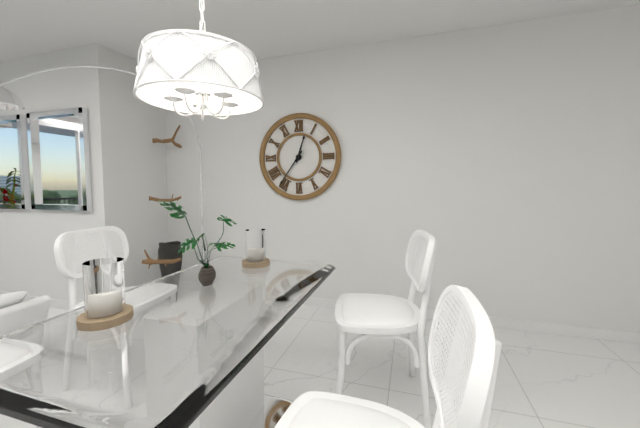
12:36
